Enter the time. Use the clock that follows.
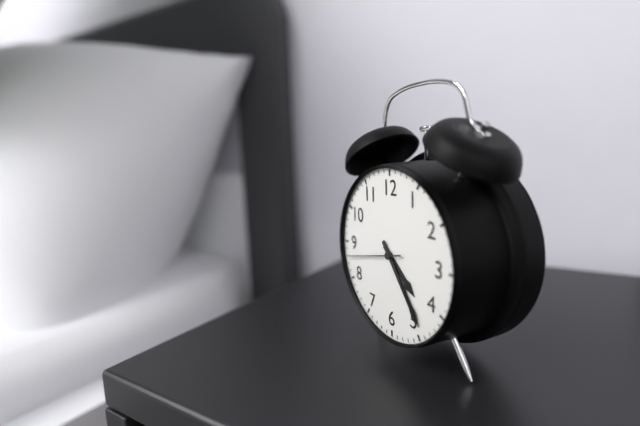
4:24:43
